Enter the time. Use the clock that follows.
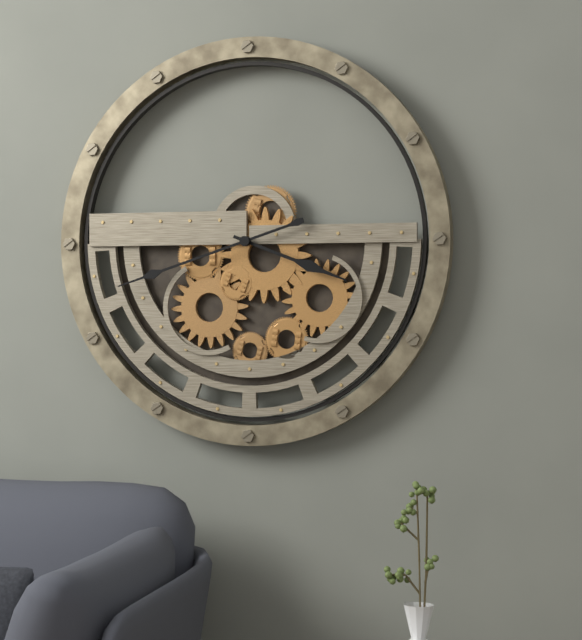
3:42
